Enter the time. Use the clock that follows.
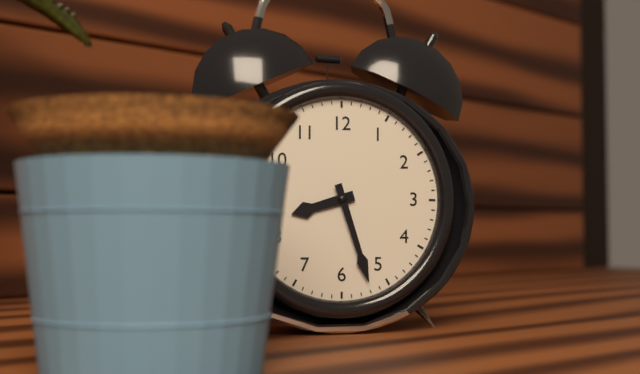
8:27
